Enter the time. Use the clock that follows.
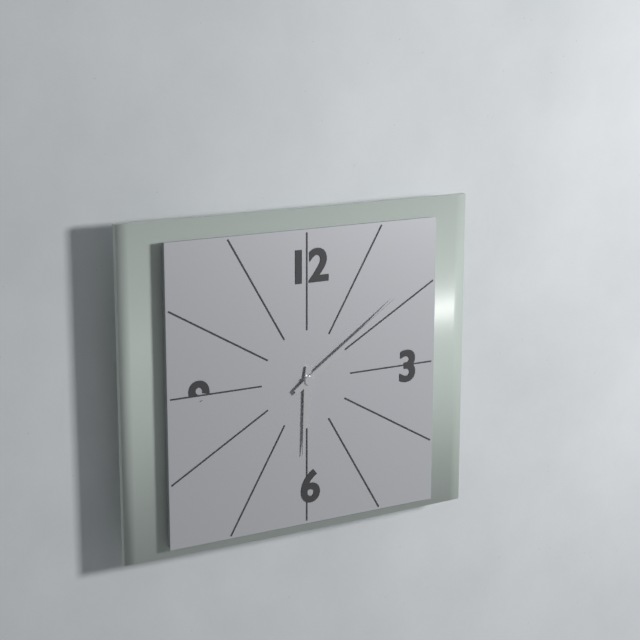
6:09
